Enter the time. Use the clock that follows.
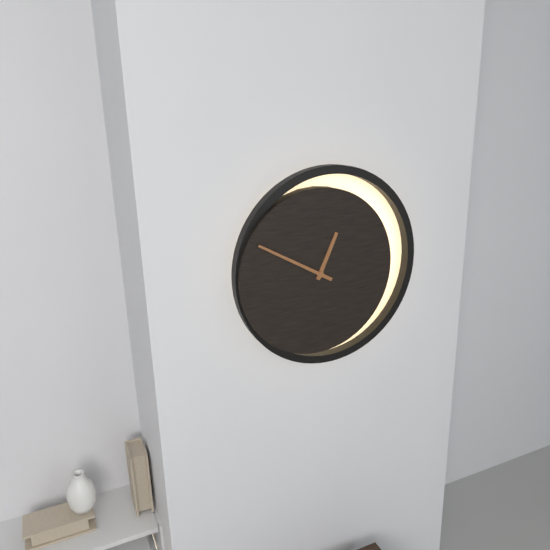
12:50
